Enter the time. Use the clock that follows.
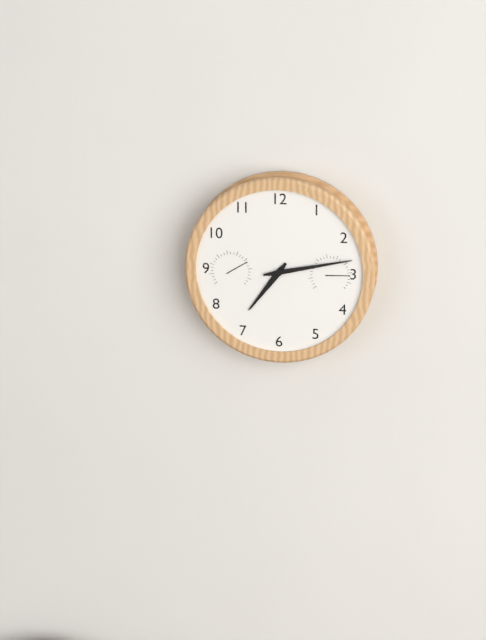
7:13
